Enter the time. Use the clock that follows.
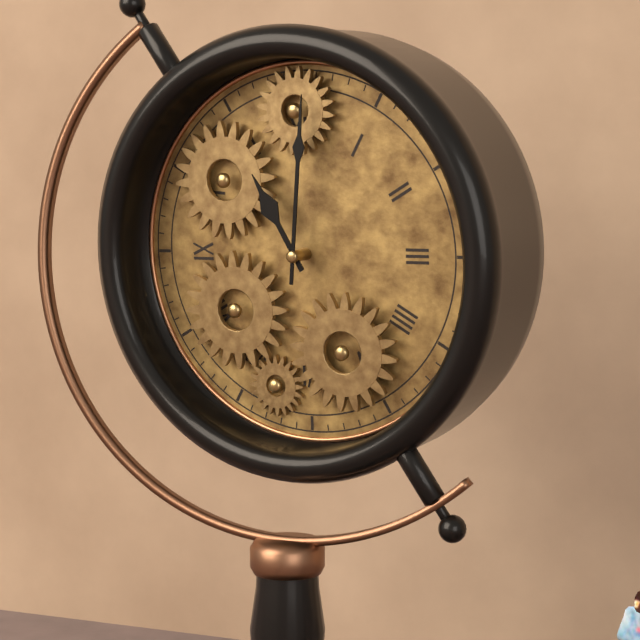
11:01
